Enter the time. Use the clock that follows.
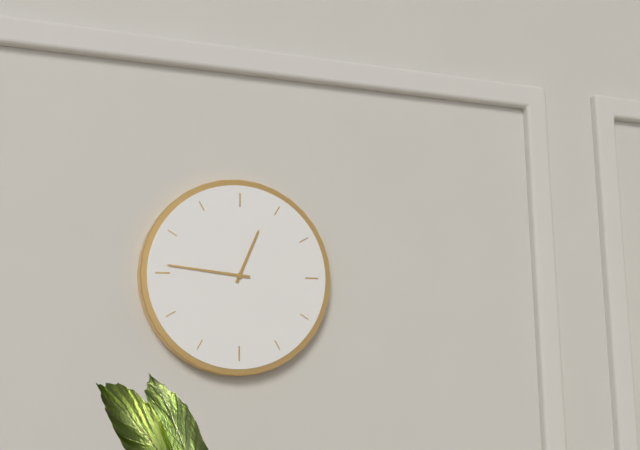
12:46
